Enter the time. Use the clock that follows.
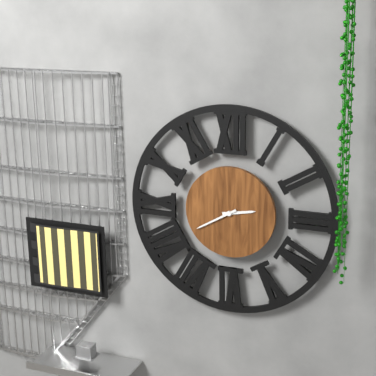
2:40
